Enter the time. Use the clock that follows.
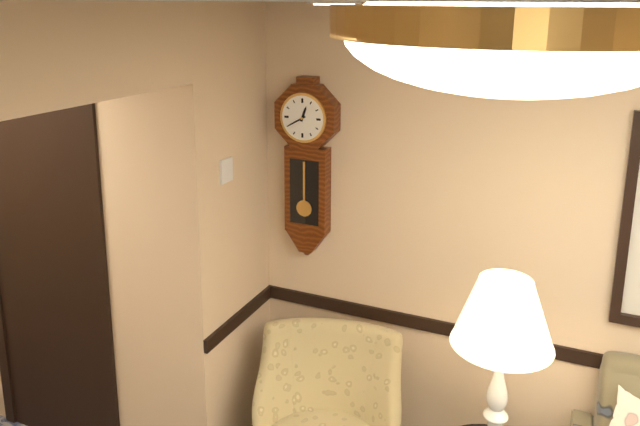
12:40
